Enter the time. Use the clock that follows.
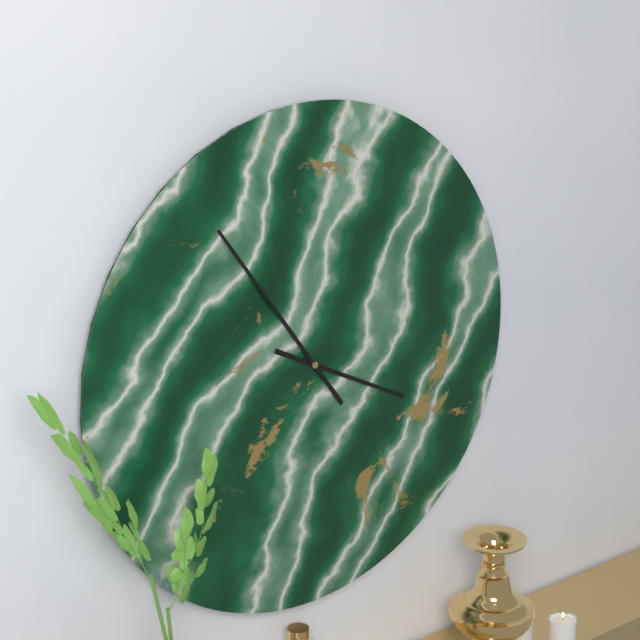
3:54
